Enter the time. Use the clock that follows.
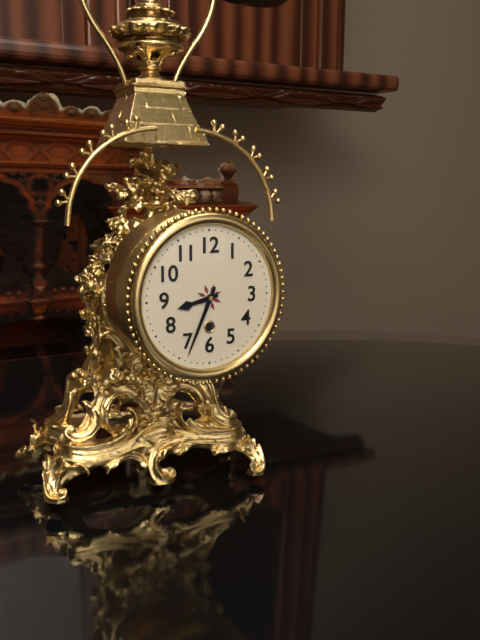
8:34
